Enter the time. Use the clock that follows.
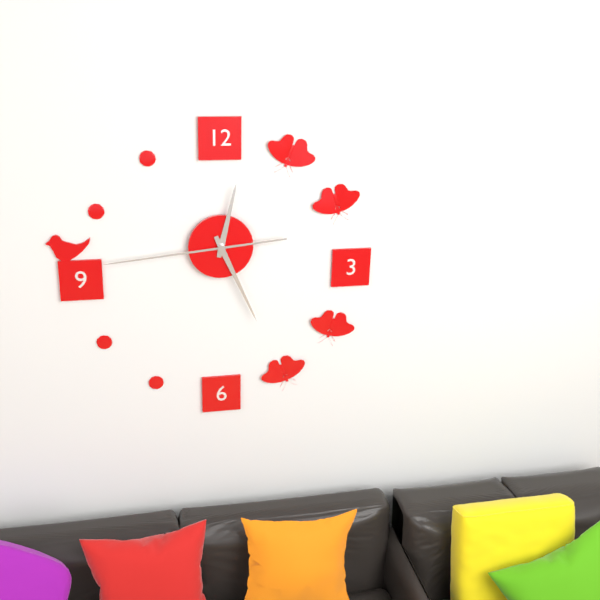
12:26:44
